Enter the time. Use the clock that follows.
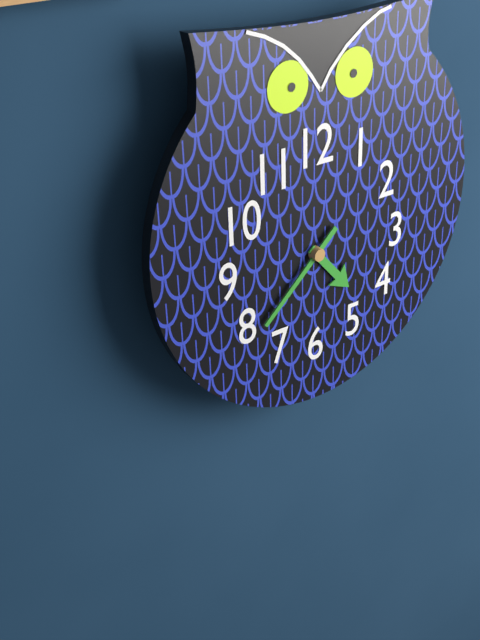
4:38
